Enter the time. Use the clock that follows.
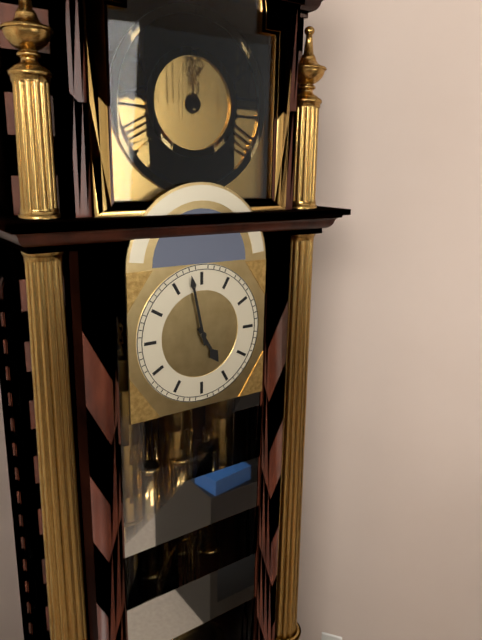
4:58
